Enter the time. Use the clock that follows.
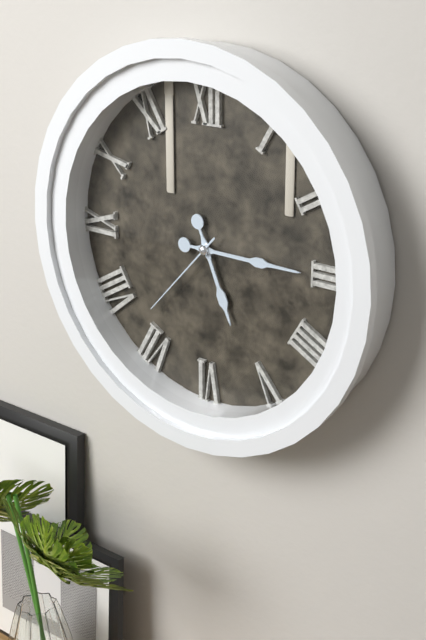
5:15:37
